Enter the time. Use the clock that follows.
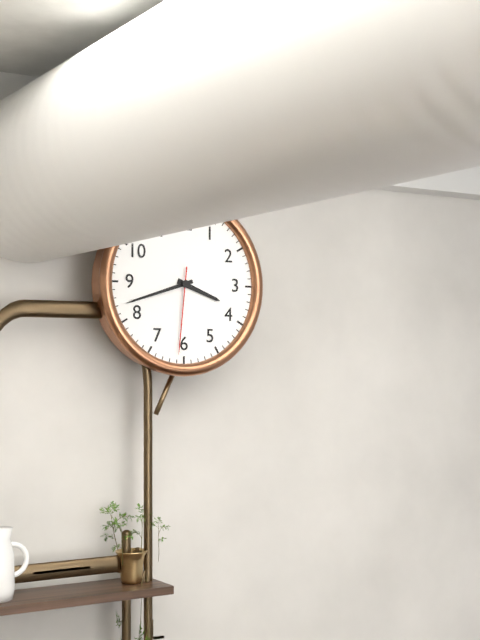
3:42:31
